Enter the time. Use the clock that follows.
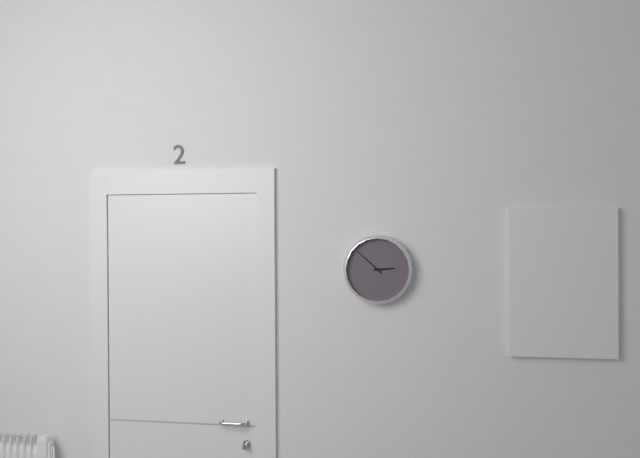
2:52
